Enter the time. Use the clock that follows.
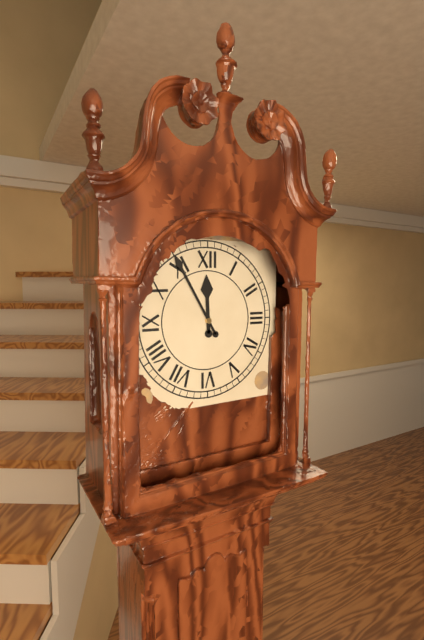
11:55
